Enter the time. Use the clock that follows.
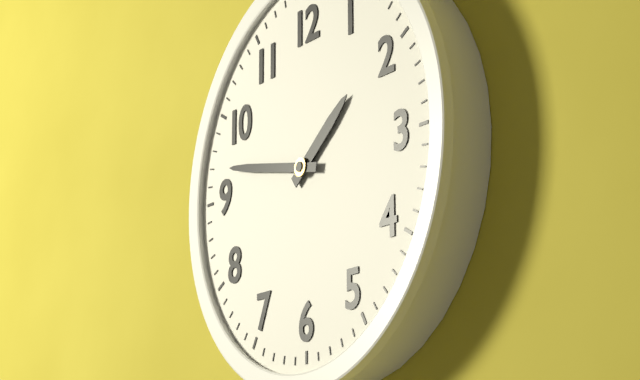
1:47
